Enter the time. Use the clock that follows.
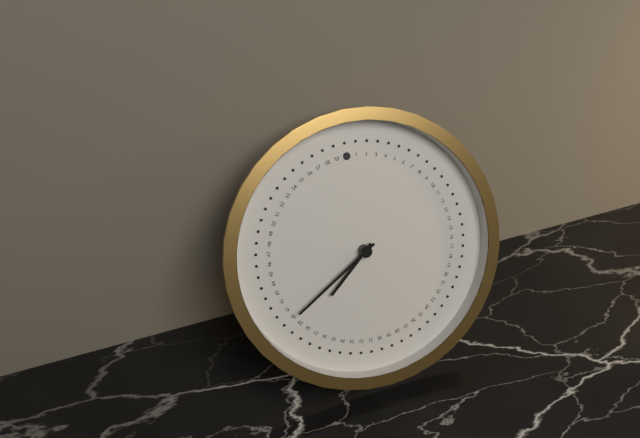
7:40
